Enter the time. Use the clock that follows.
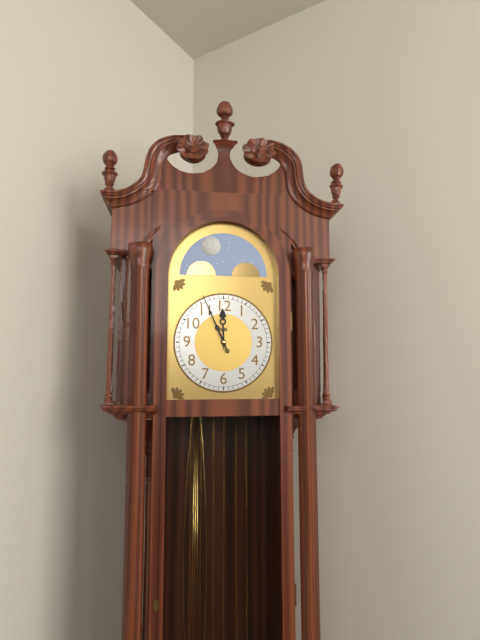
11:56
